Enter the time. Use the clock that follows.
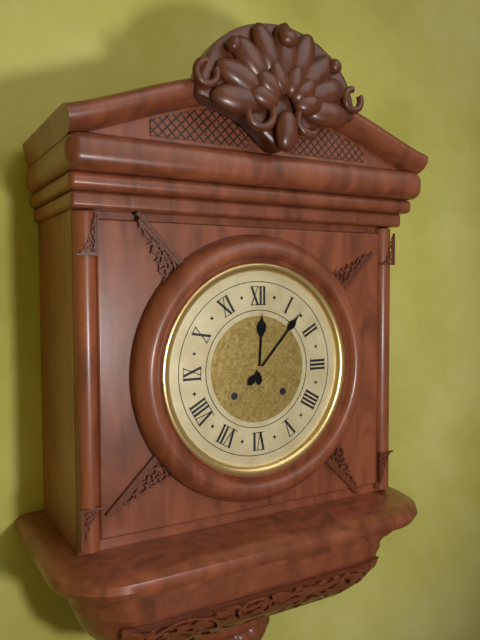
12:07
